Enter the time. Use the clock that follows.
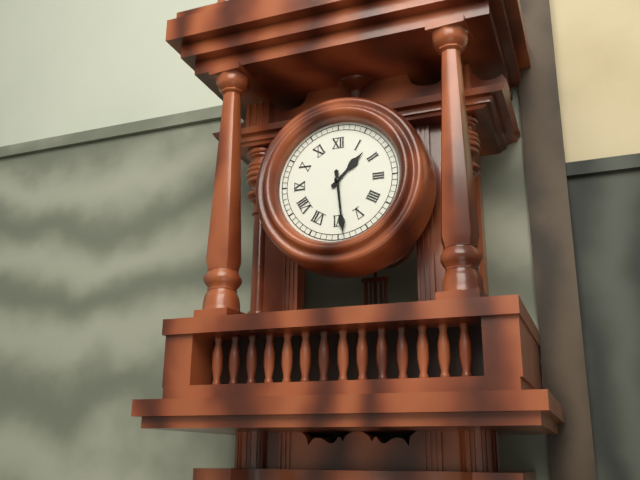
1:29
